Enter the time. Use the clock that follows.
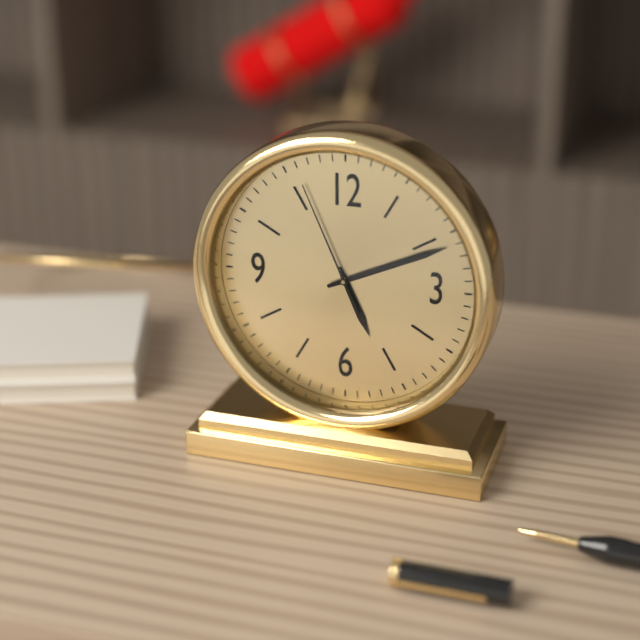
5:11:56
